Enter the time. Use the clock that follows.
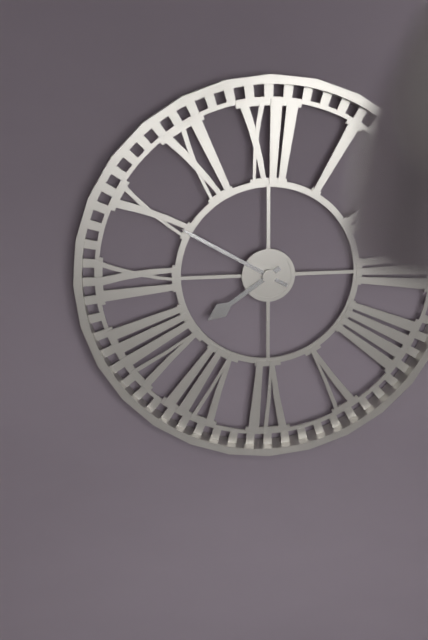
7:50
